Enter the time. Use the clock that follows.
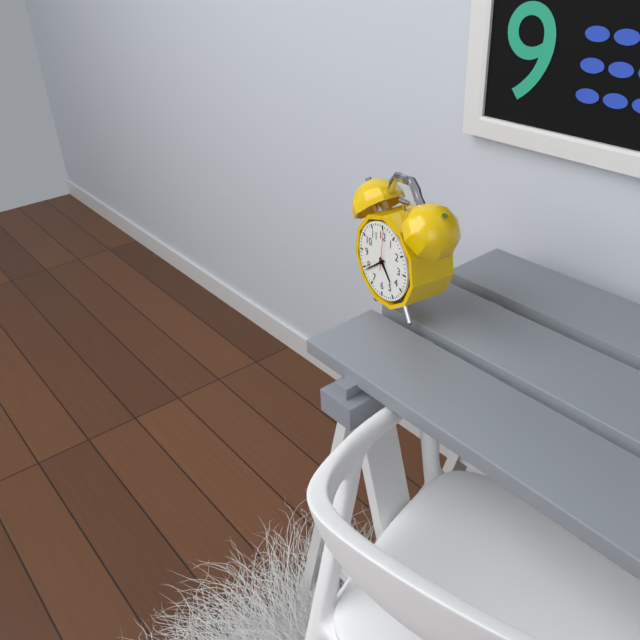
4:39
